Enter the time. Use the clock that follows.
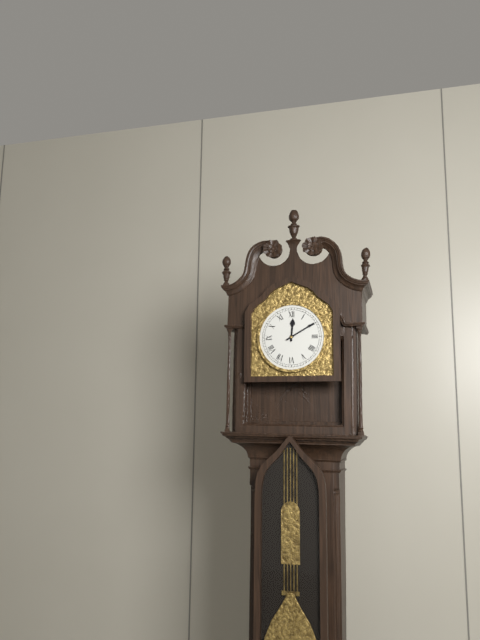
12:10
